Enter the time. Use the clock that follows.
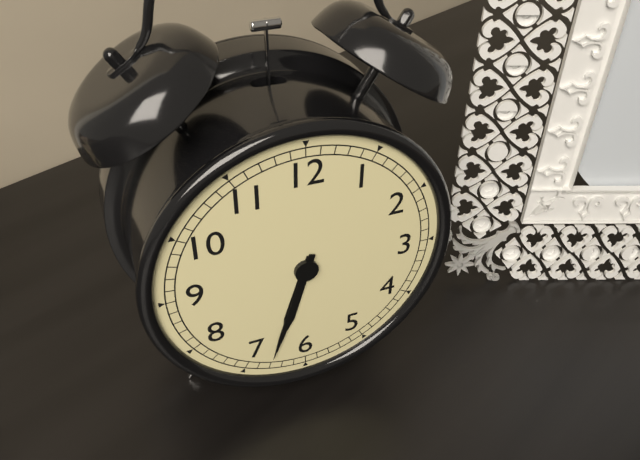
6:33
